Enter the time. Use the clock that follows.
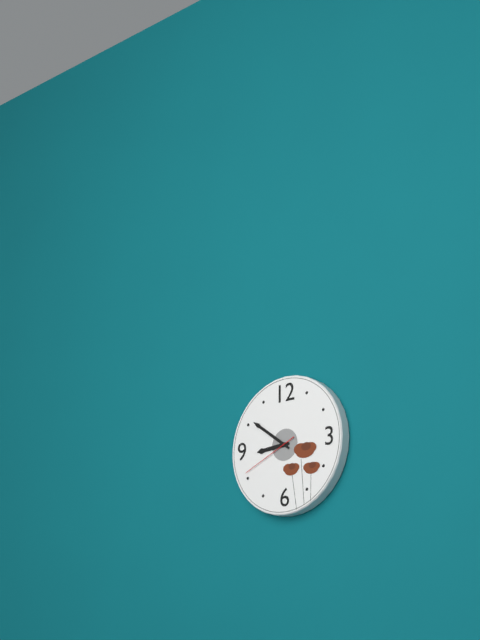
8:51:41
